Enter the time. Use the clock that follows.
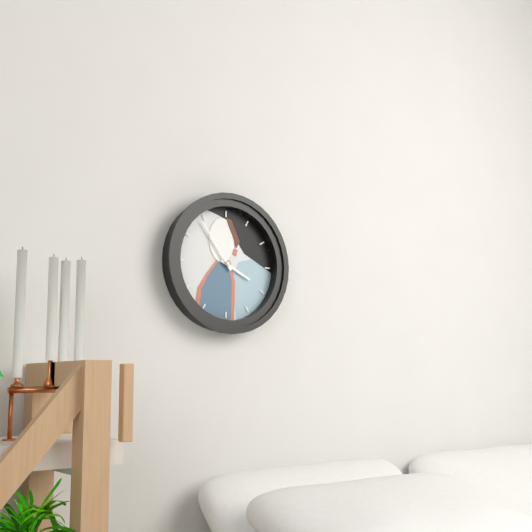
3:54
